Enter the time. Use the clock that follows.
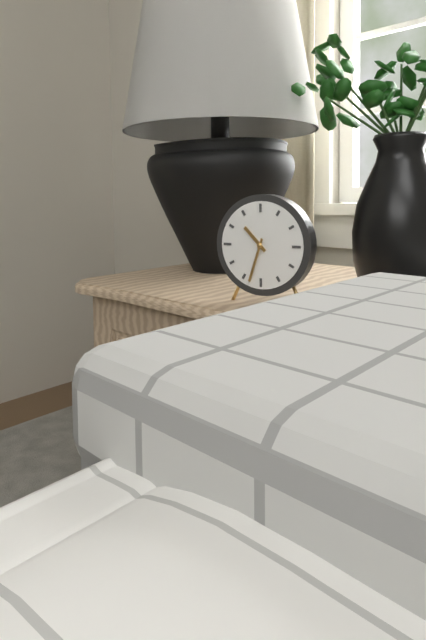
10:33
